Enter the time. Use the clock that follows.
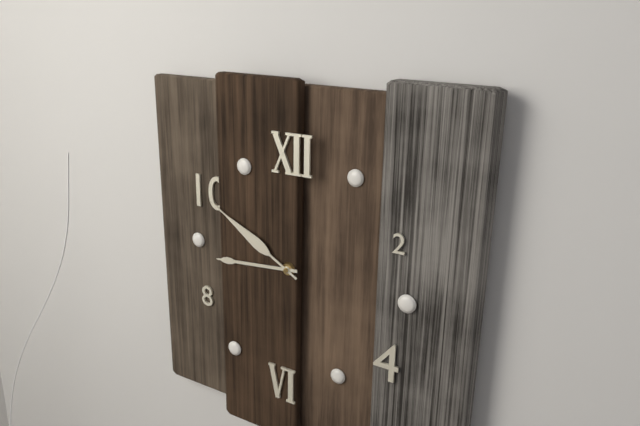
8:50
